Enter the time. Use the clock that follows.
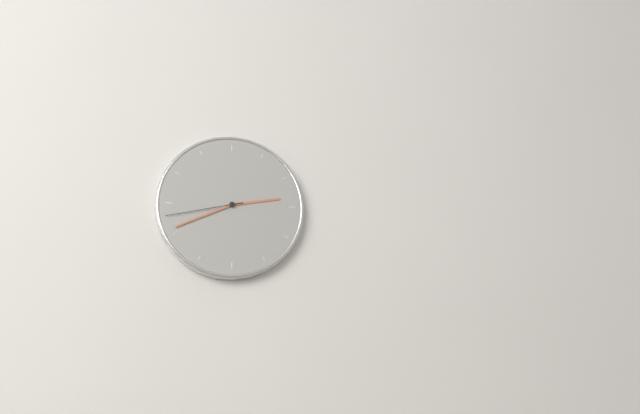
2:41:43
